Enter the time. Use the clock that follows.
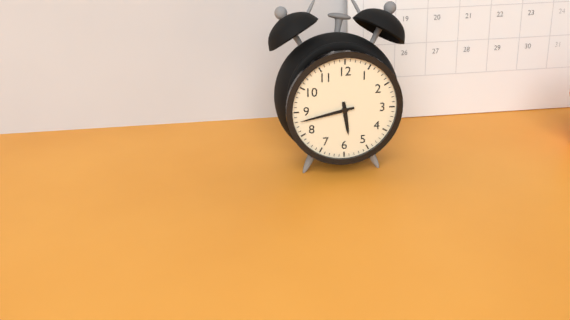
5:43
